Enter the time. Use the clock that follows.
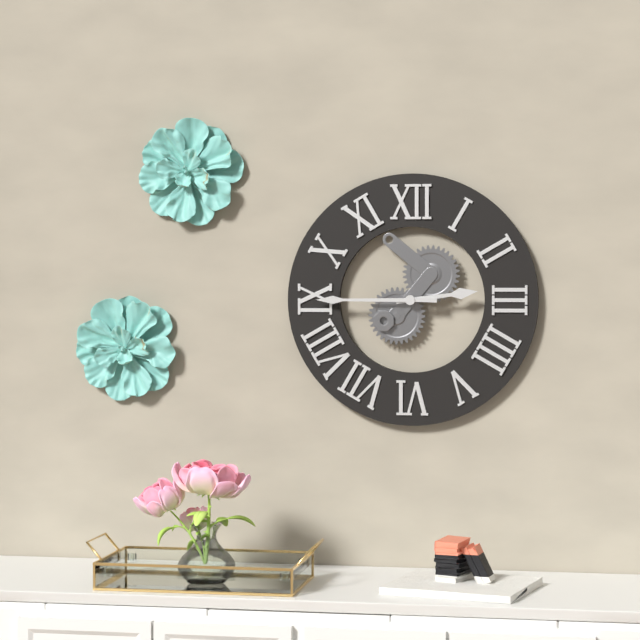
2:45
